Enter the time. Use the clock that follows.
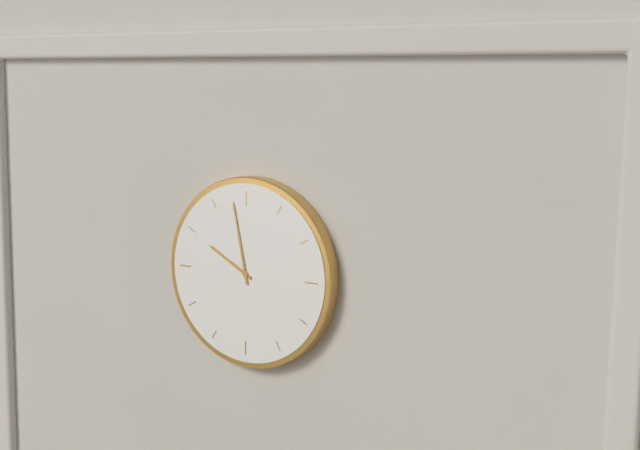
9:58
